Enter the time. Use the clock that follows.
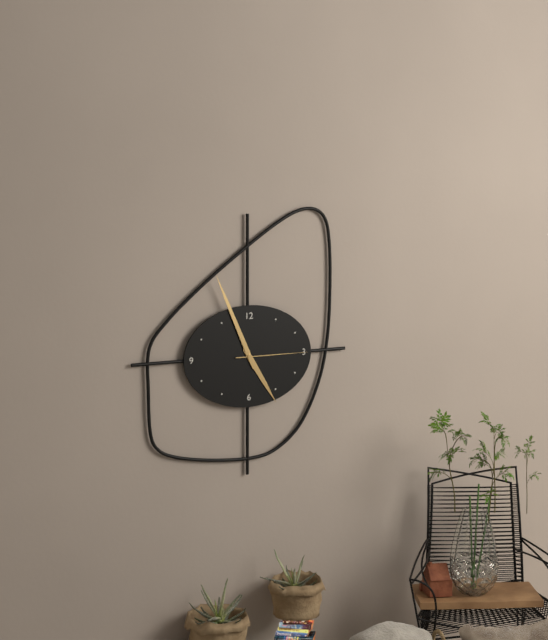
4:56:15
